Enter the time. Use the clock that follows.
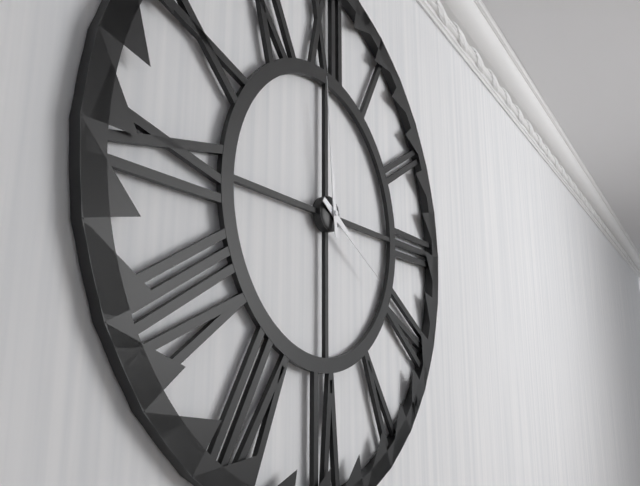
3:59
